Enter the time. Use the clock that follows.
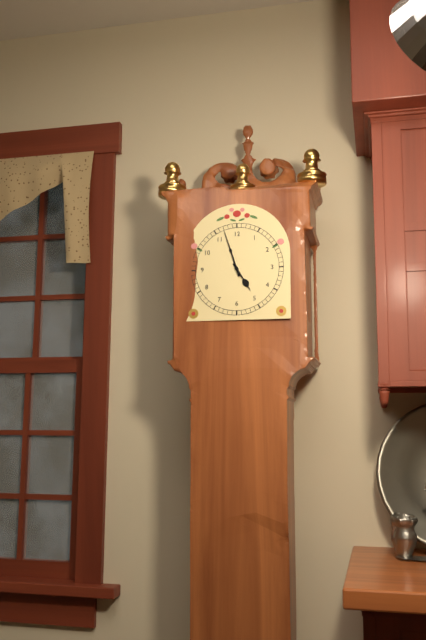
4:57
